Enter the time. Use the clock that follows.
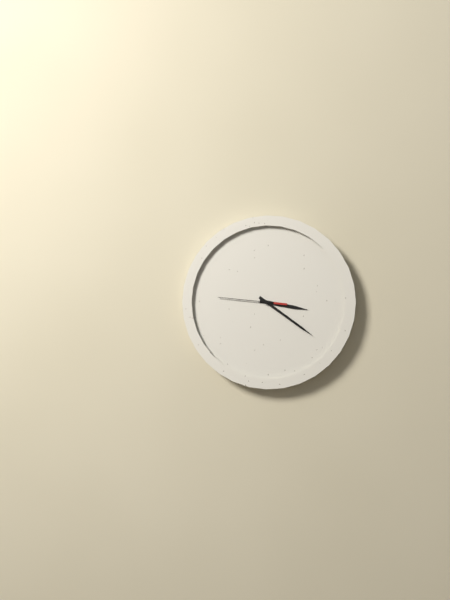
3:21:46
